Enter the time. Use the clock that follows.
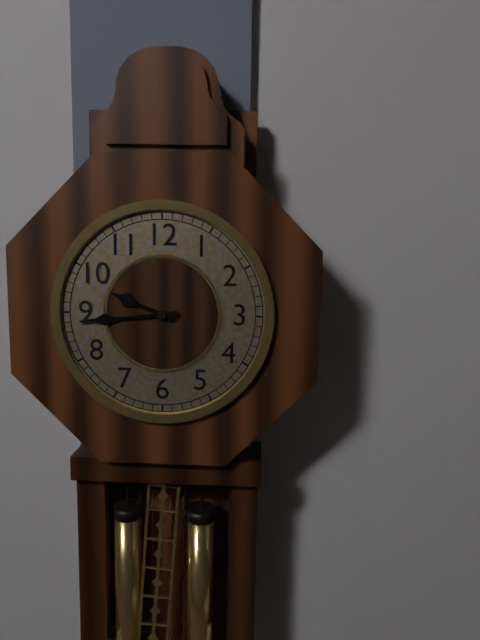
9:44
